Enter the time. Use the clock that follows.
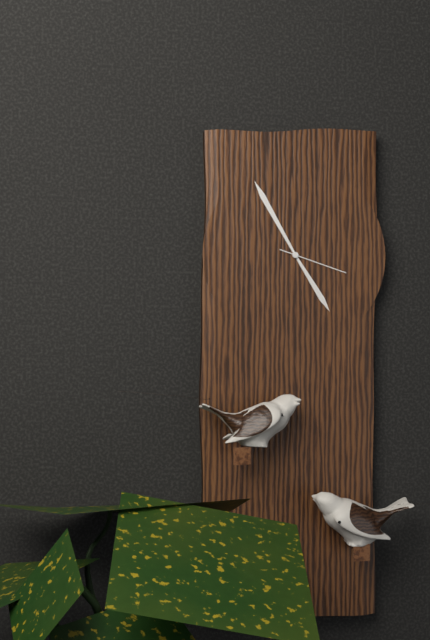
4:55:18
